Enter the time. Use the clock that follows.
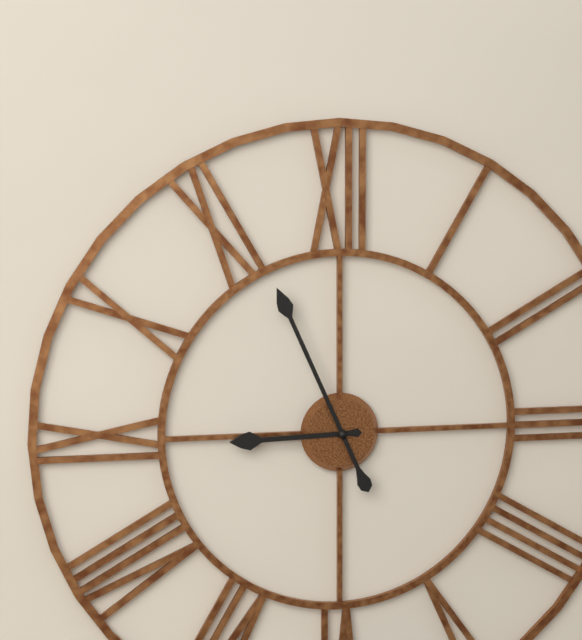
8:56
